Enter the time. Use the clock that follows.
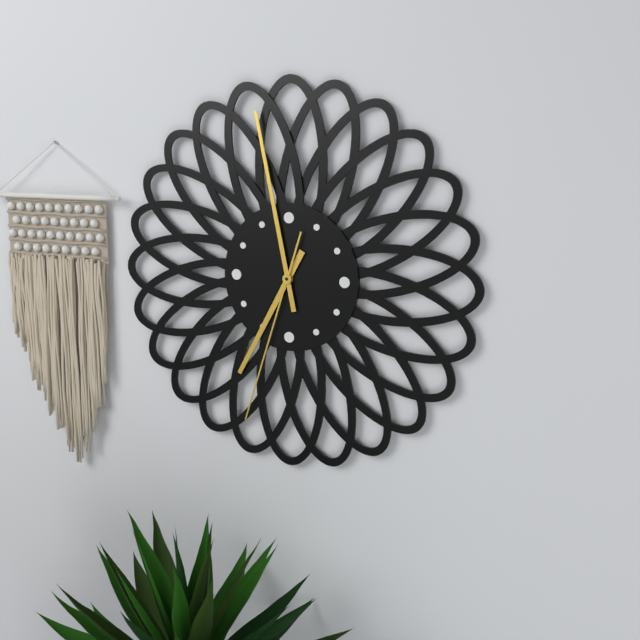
6:58:33
